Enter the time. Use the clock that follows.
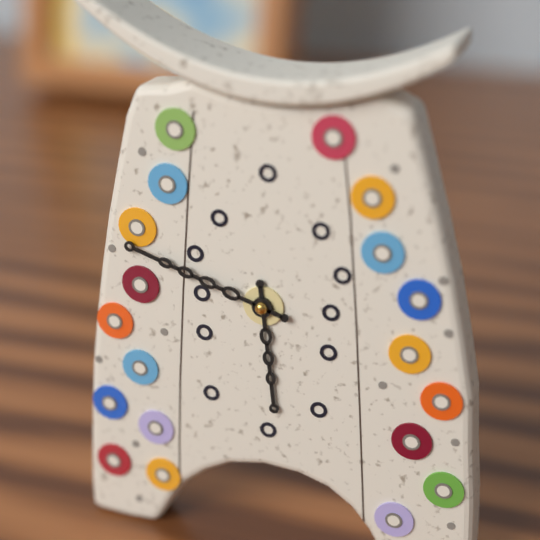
5:48
